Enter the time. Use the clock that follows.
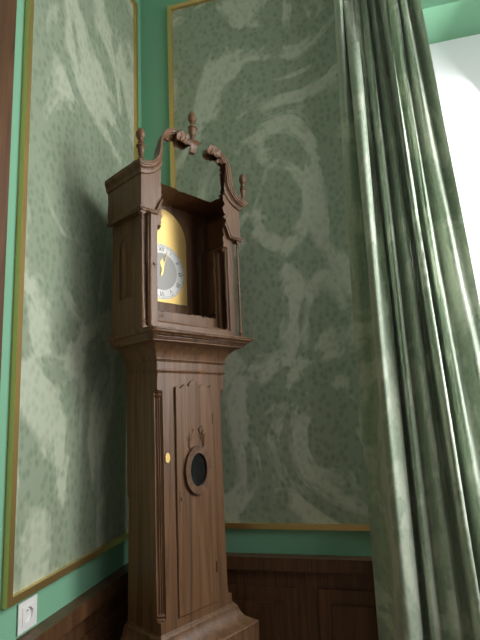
12:03
